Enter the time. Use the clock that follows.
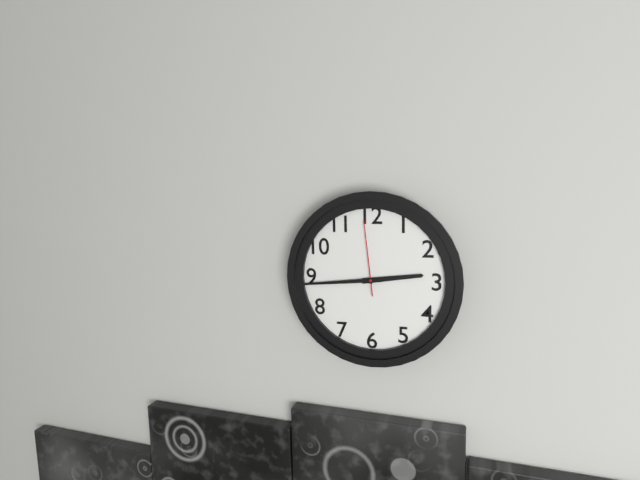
2:44:59
